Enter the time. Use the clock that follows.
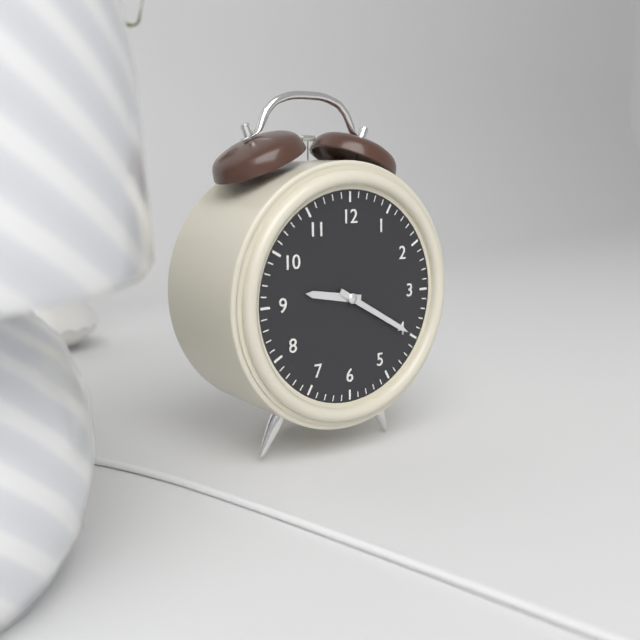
9:20
